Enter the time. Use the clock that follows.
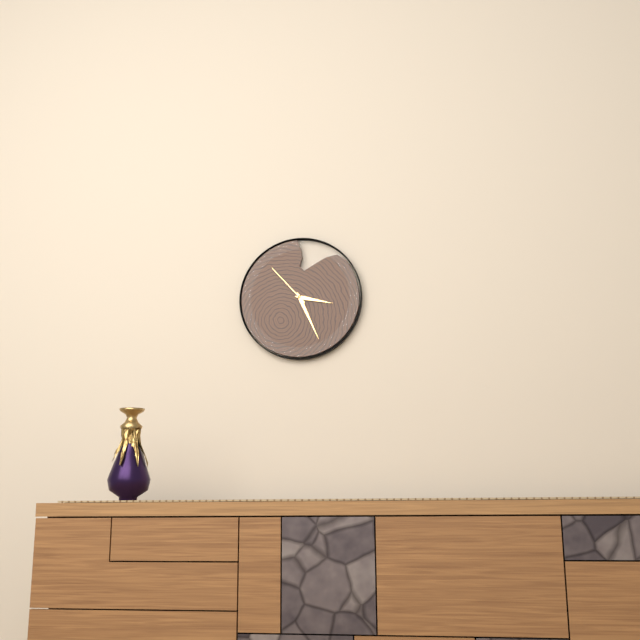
3:26
